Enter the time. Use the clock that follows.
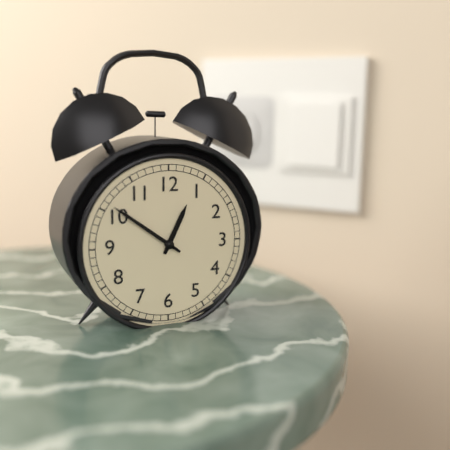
12:51
